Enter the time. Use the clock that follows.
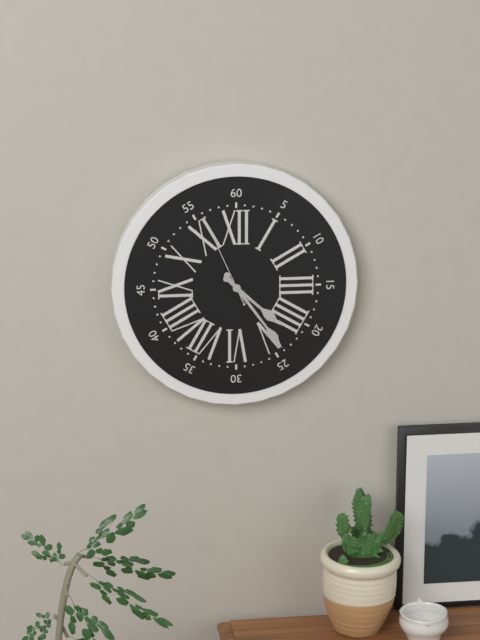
4:24:56
